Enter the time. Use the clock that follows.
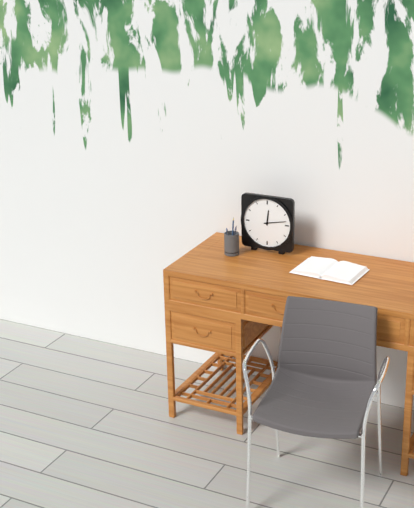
12:13
